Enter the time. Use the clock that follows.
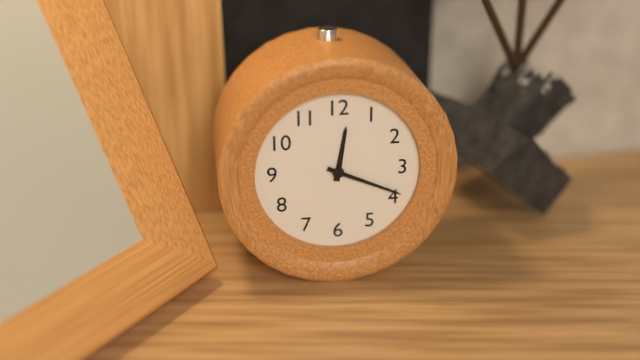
12:19
